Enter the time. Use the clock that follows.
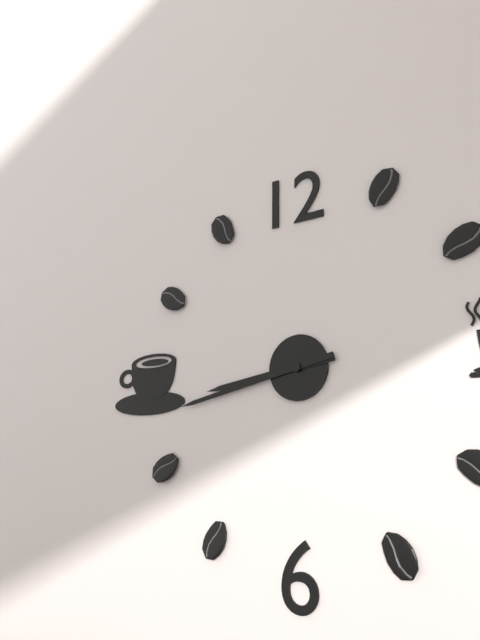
8:43
